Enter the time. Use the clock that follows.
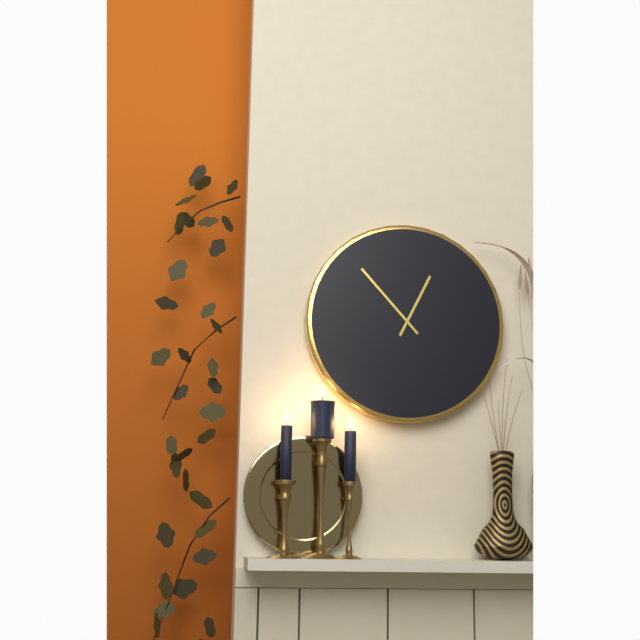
12:53
